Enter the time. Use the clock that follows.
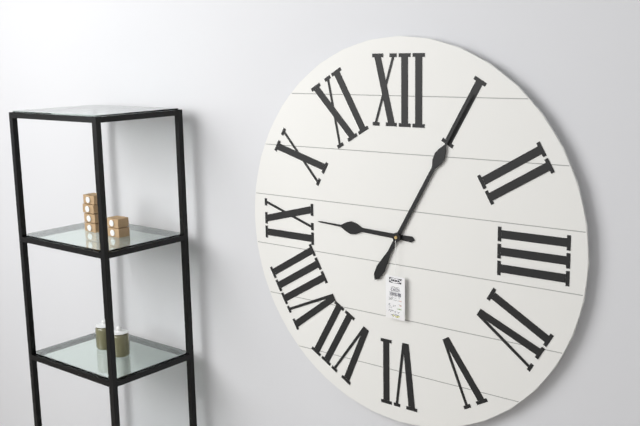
9:05
